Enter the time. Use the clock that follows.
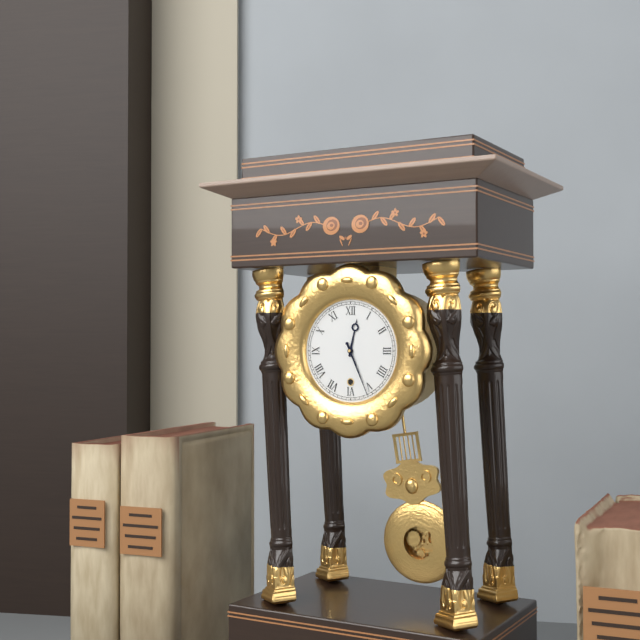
12:26
